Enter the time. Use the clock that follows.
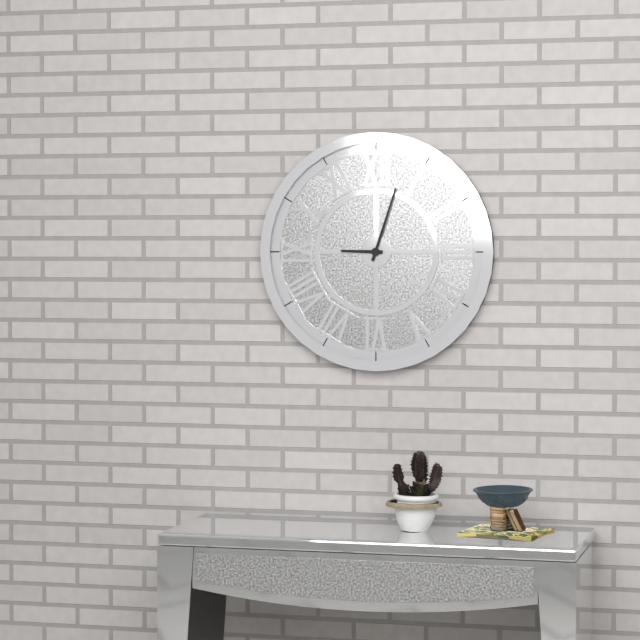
9:03
